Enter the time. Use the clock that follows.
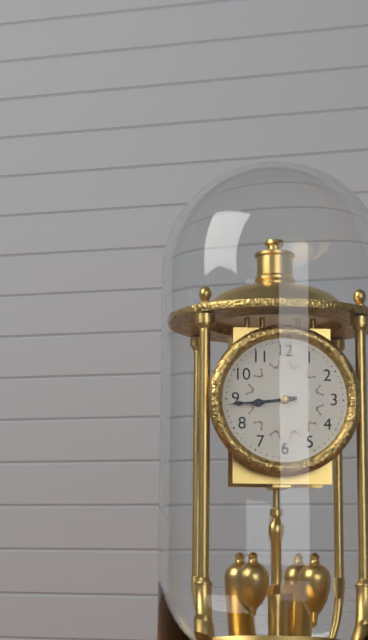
8:44
